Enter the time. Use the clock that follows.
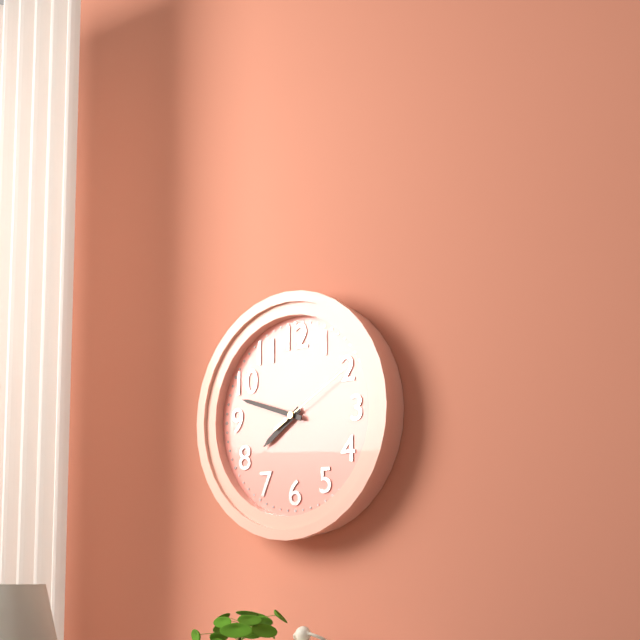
7:48:10
